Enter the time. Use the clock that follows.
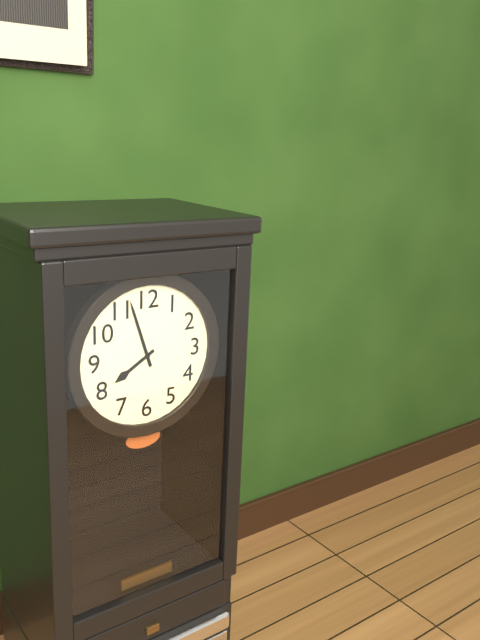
7:57
